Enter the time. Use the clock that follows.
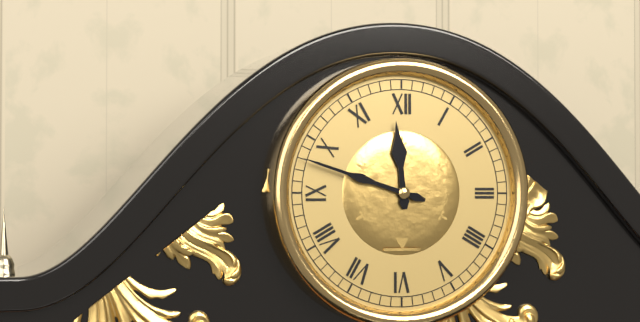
11:48
